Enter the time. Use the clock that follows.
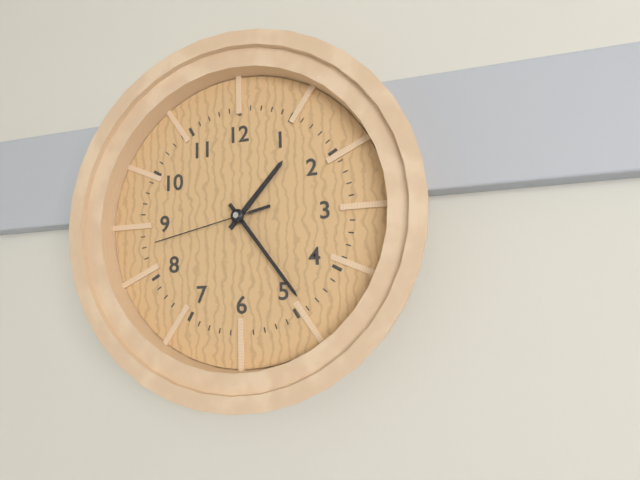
1:24:43
